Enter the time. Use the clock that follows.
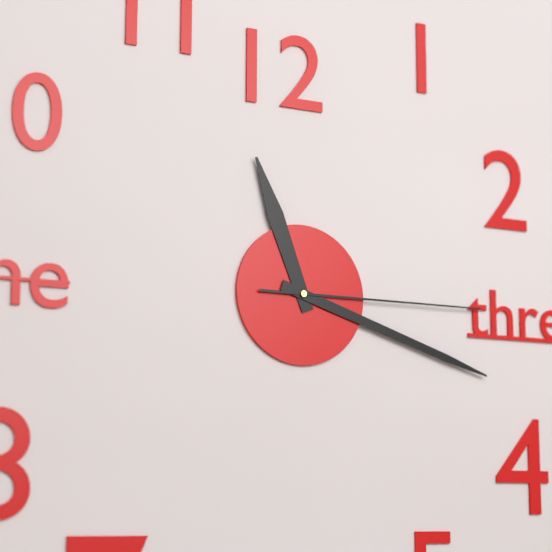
11:18:15
